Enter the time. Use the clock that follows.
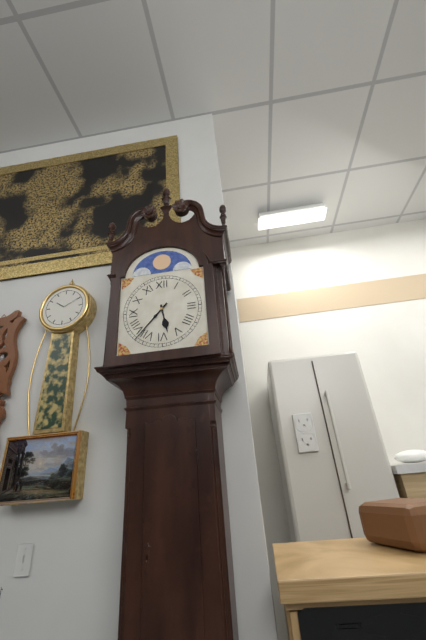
5:37
